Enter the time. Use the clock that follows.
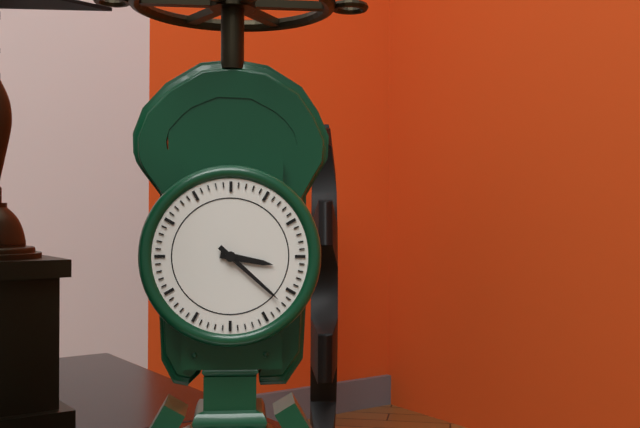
3:22
